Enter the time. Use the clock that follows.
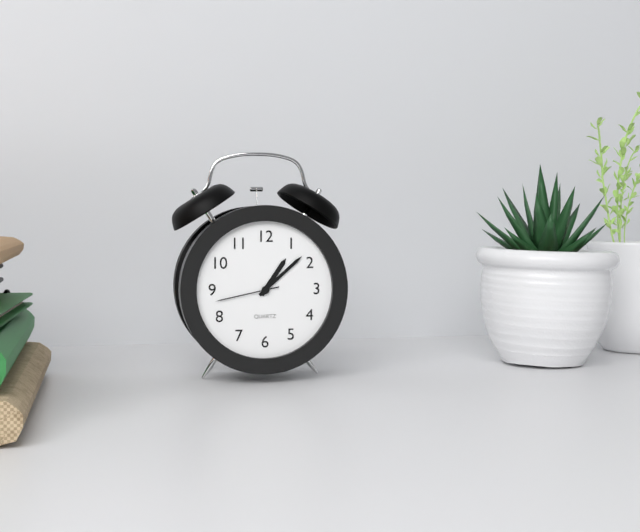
1:08:43
